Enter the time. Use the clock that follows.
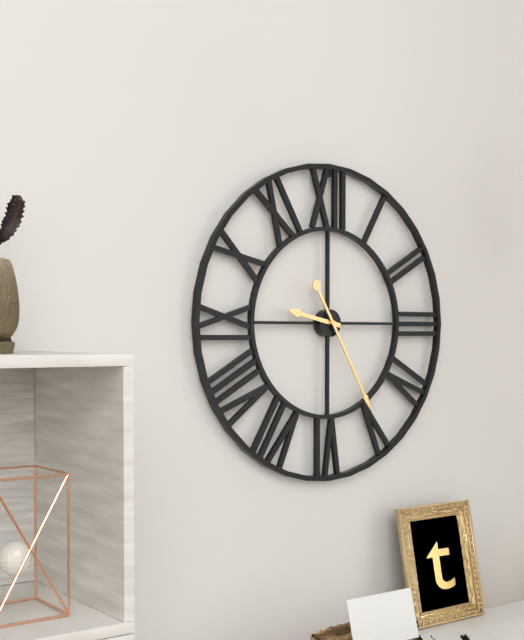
9:25
